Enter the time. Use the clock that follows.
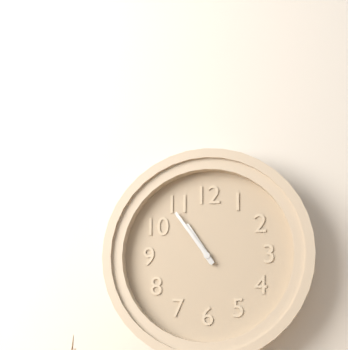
10:54
